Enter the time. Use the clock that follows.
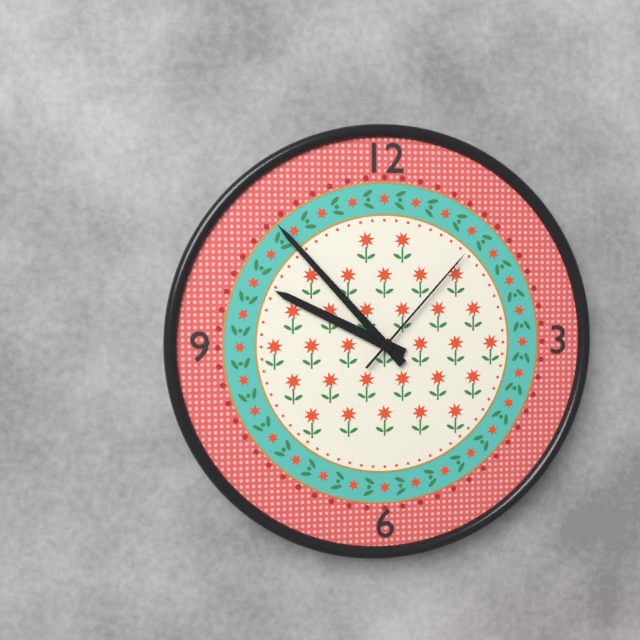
9:53:07
